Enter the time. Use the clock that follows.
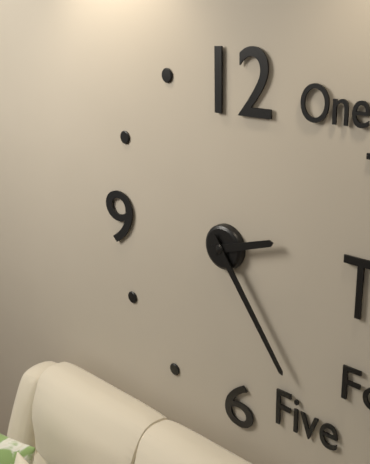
2:24
